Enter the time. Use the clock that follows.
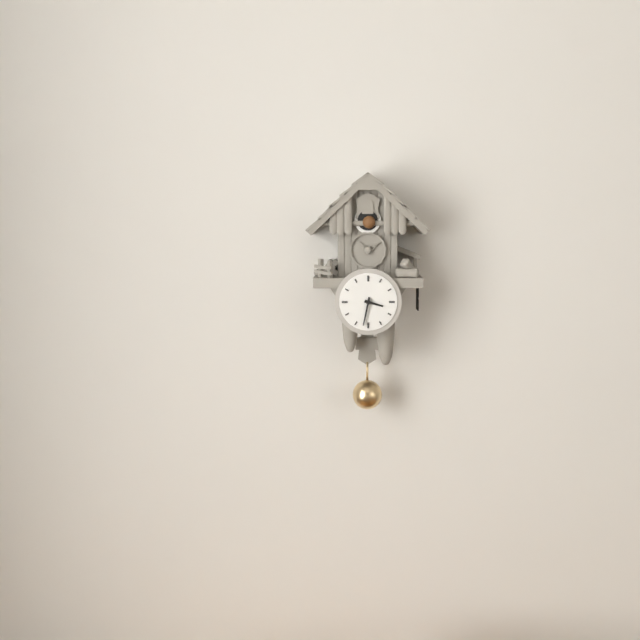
3:32
